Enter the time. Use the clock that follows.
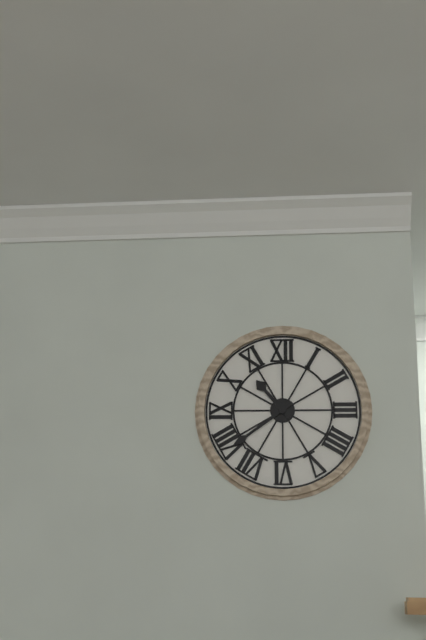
10:39
